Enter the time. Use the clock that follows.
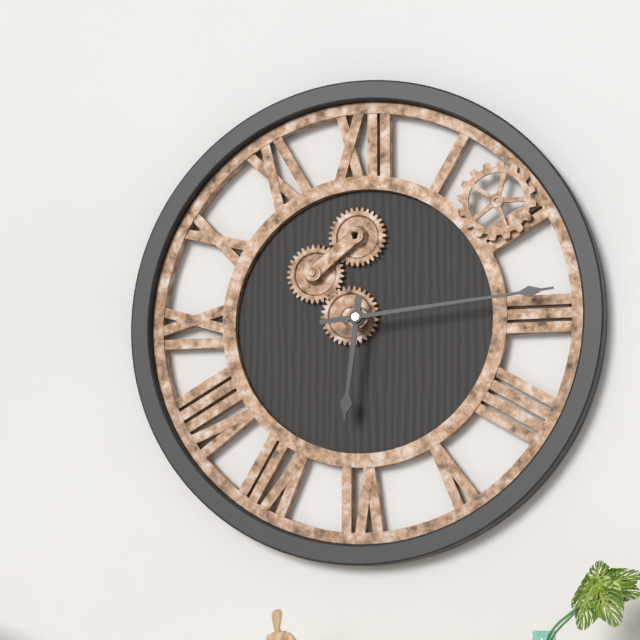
6:14
